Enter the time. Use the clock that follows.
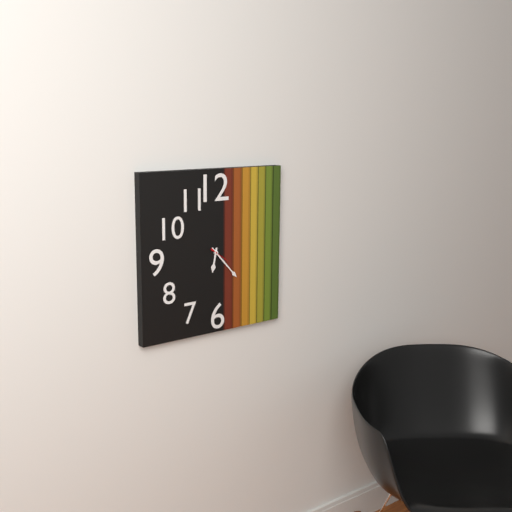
6:23
